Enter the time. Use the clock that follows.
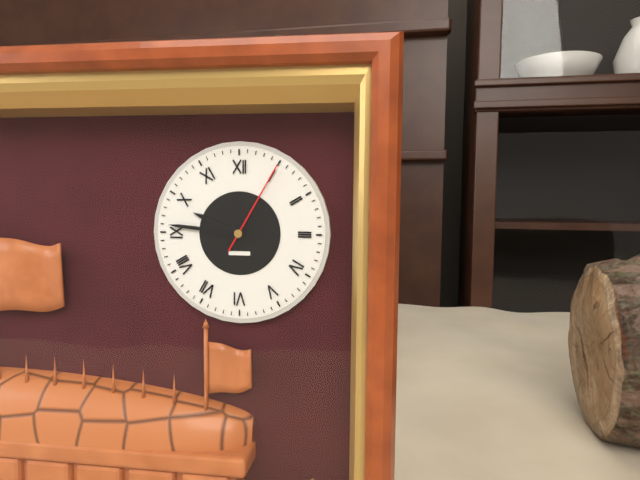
9:46:05
